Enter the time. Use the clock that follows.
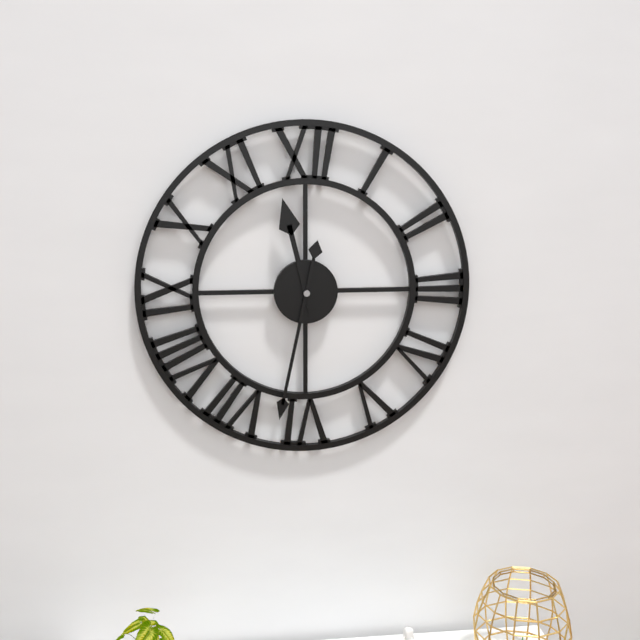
11:32
